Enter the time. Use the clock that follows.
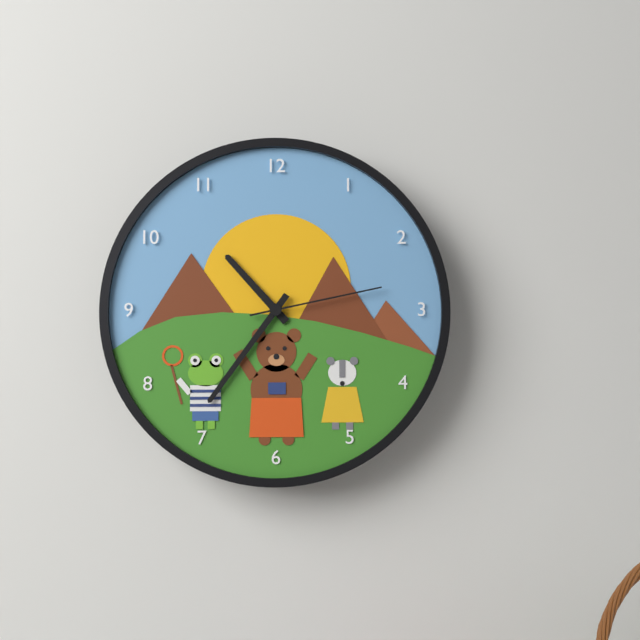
10:36:13
